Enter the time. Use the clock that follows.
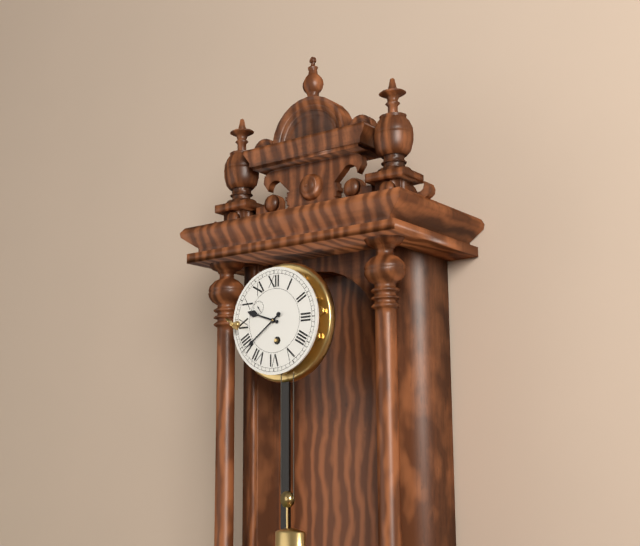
9:39
